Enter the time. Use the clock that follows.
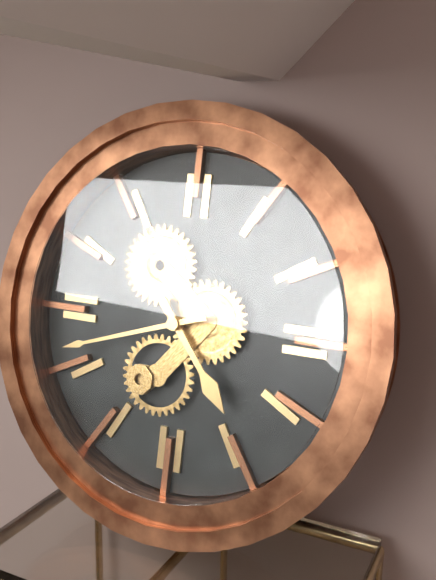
4:42
